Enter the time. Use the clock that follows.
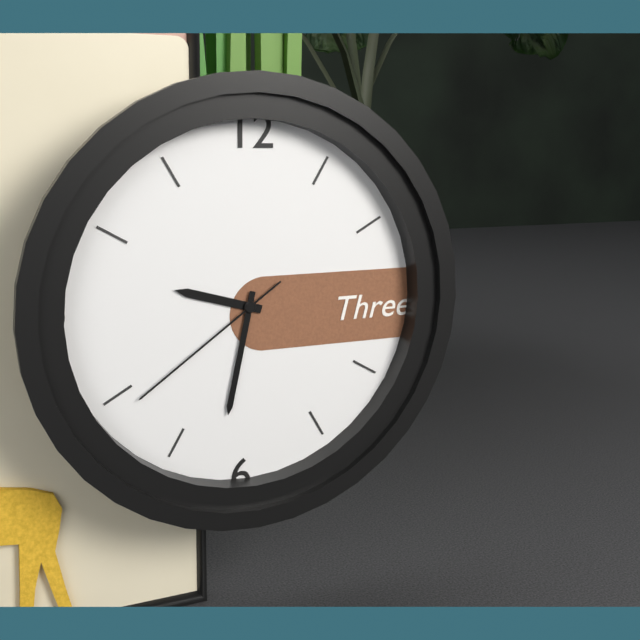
9:32:39
